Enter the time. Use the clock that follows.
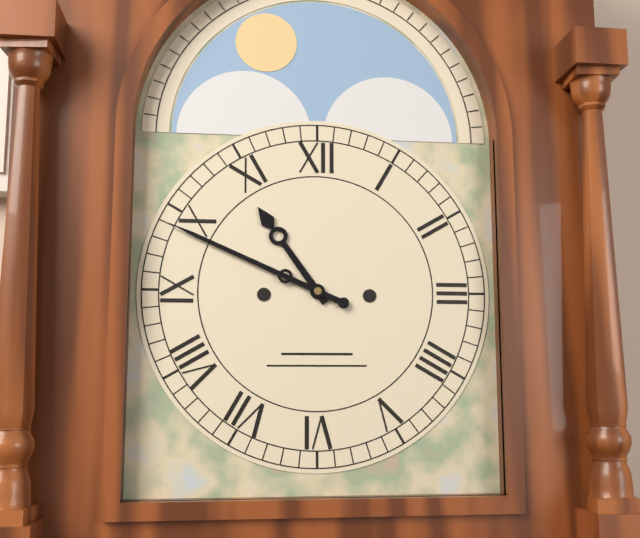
10:49
